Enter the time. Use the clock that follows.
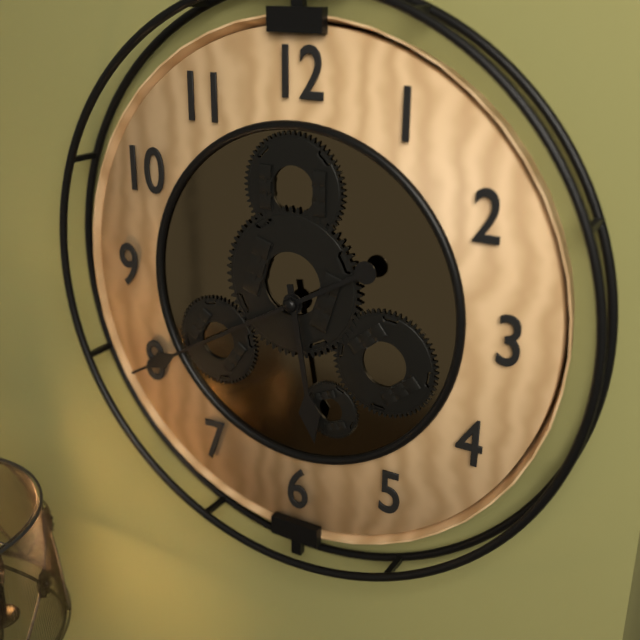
5:40
